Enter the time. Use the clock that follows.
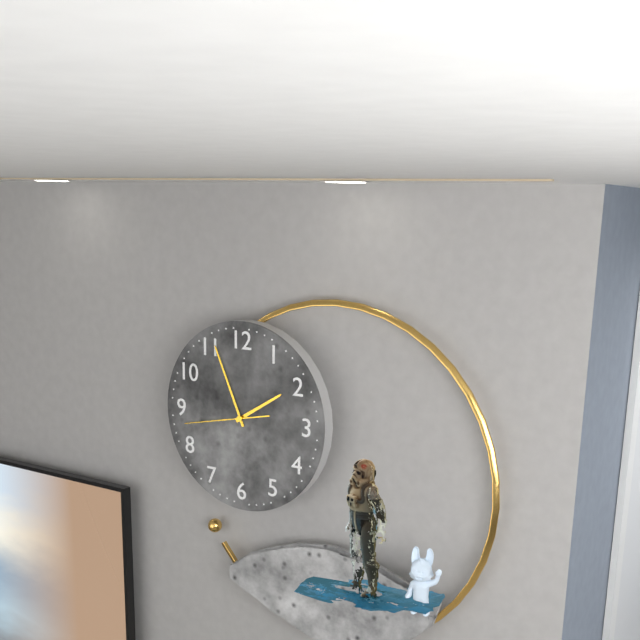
1:56:43
